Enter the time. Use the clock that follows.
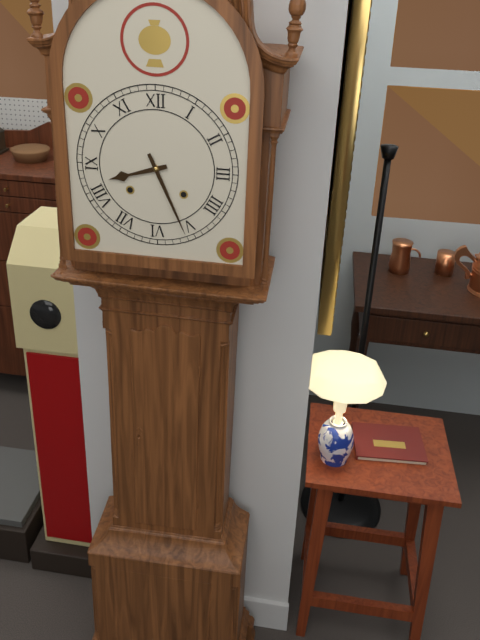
8:26
